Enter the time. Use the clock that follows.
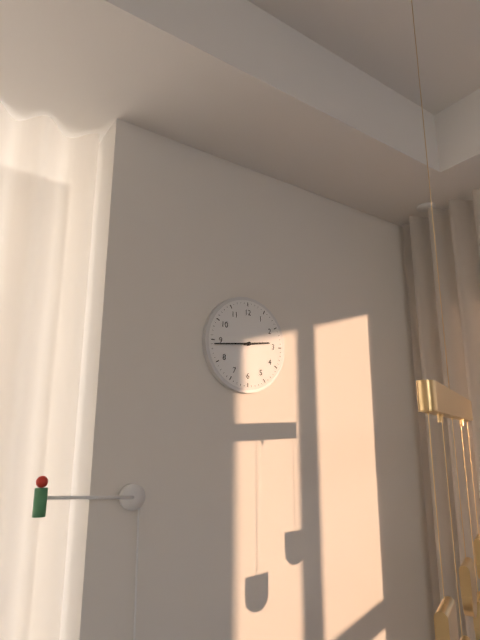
2:44
